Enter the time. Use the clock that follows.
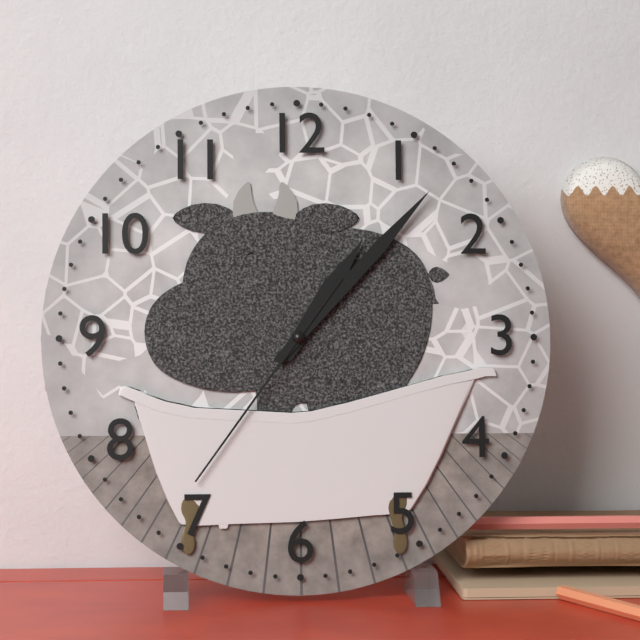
1:07:36
